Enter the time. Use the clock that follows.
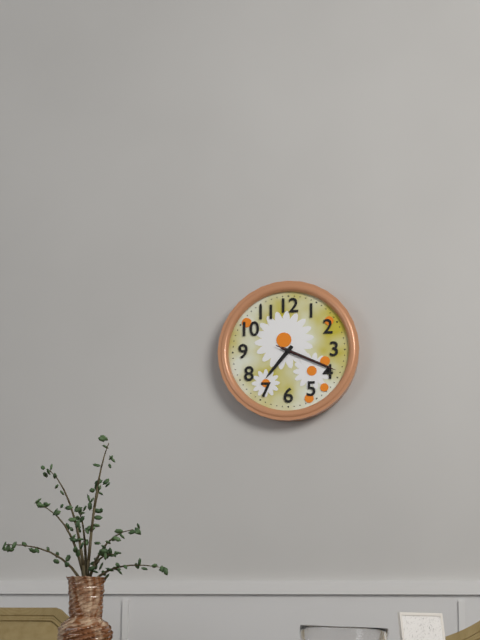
7:19:19
